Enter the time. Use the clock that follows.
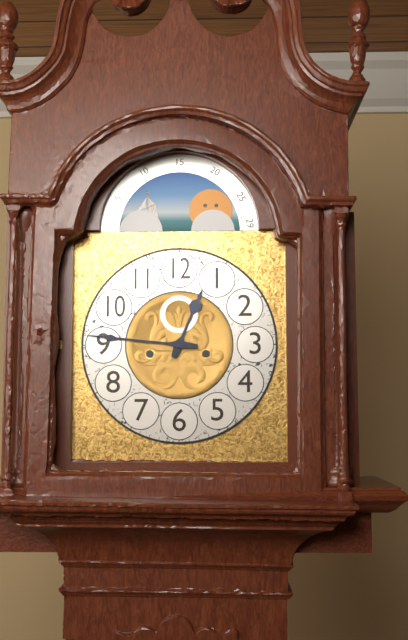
12:46
